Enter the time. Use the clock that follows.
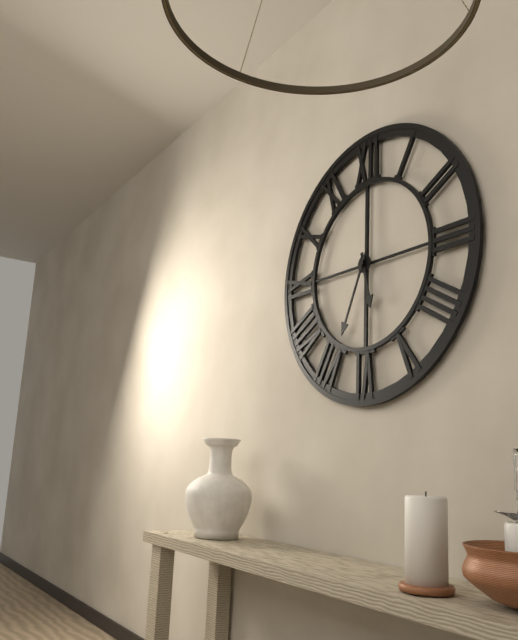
5:34
